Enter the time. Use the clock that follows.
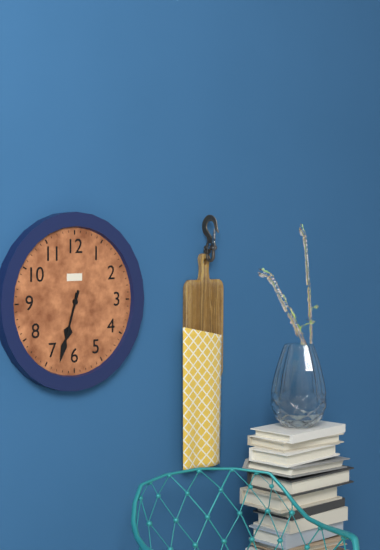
6:33
